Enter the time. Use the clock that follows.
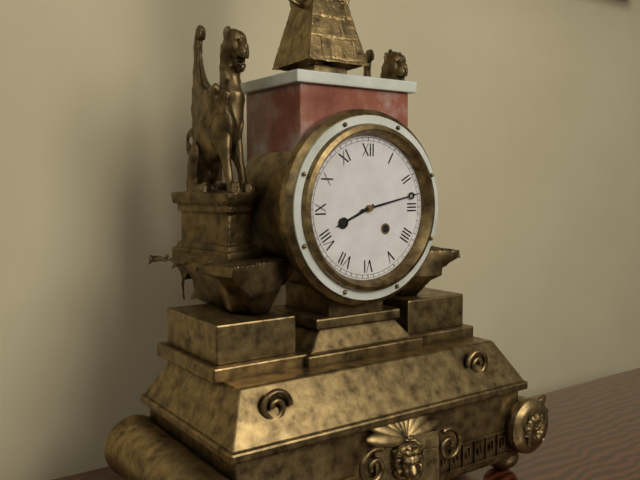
8:13
